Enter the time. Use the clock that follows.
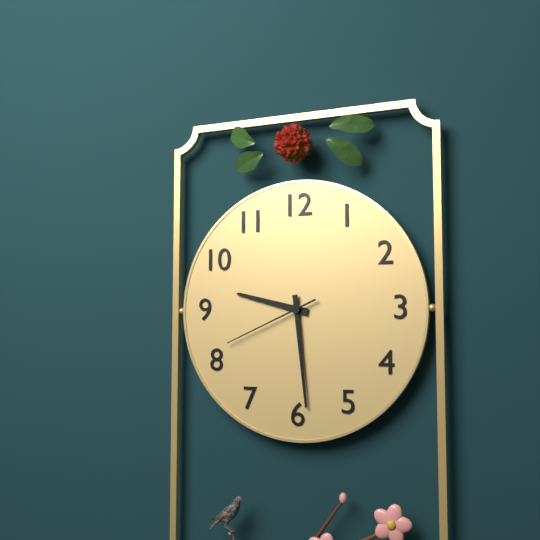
9:29:41
